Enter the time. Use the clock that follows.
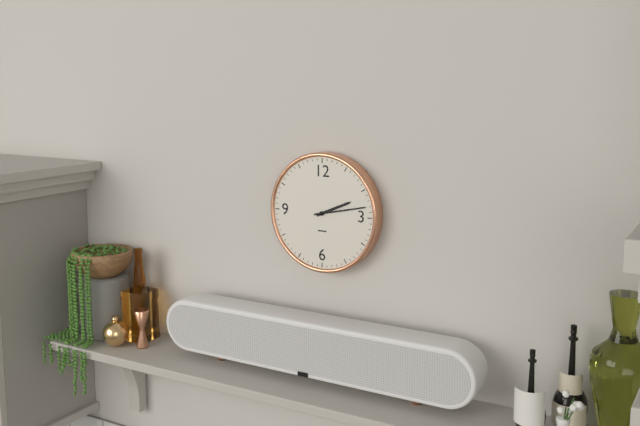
2:13
